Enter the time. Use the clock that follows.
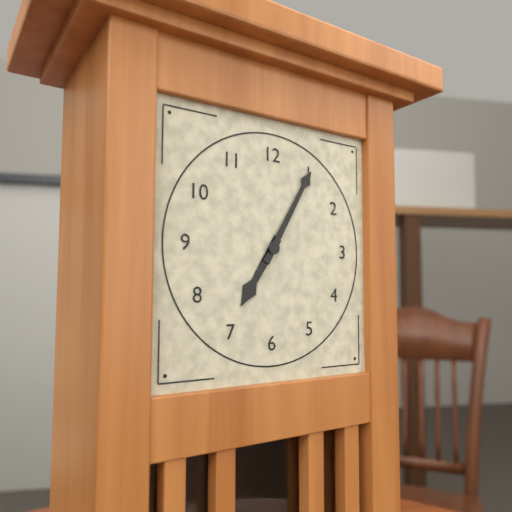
7:05
